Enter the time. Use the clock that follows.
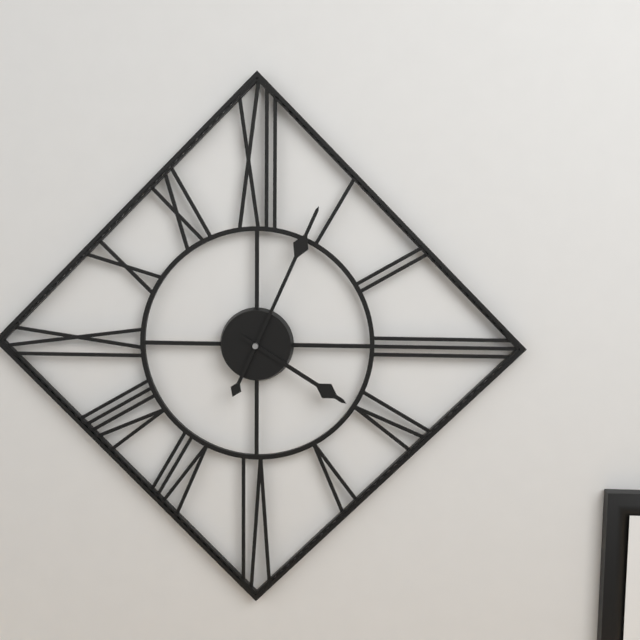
4:04
